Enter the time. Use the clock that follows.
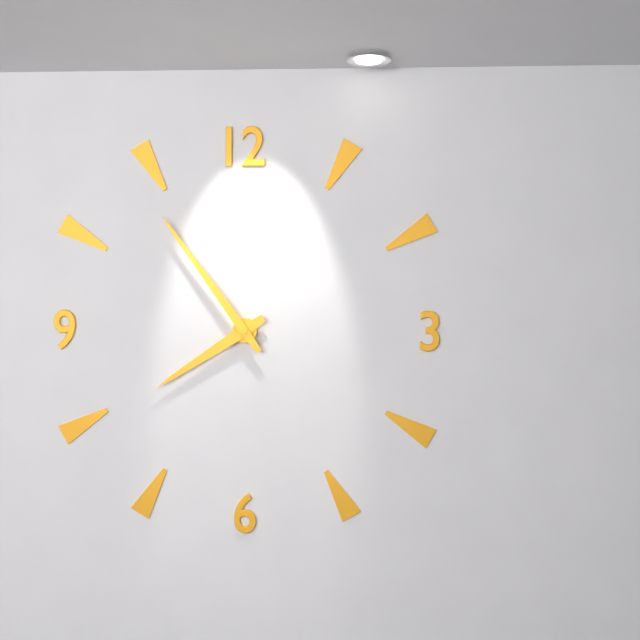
7:54
